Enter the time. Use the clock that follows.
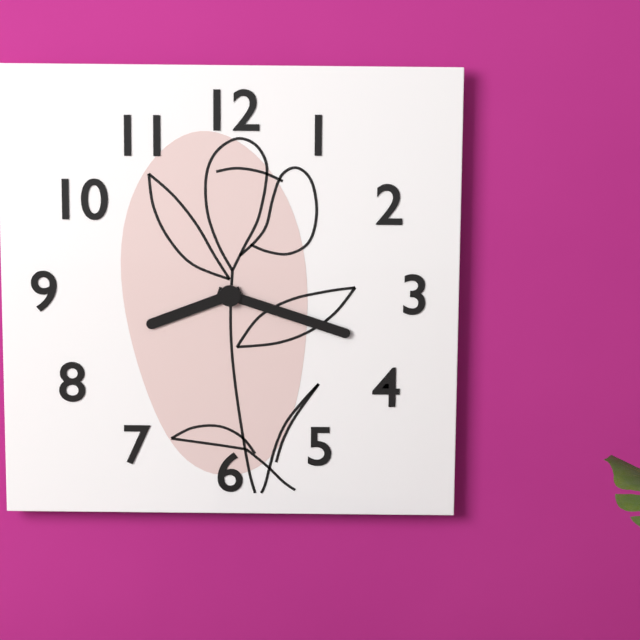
8:18
